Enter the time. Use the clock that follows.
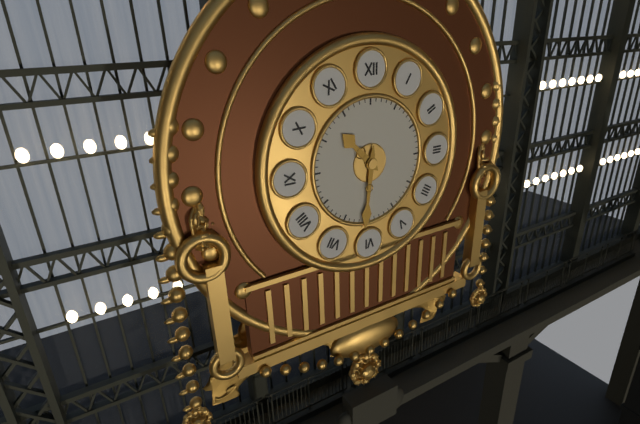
10:31
